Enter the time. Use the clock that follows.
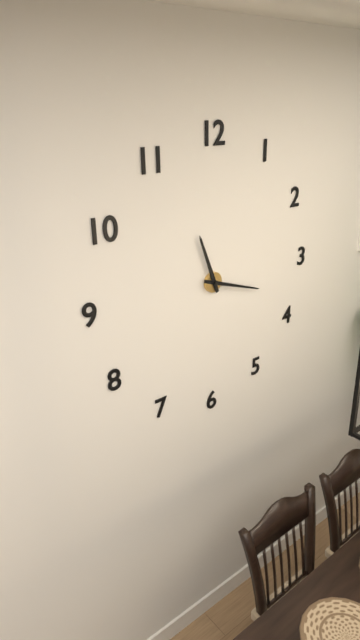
11:18
